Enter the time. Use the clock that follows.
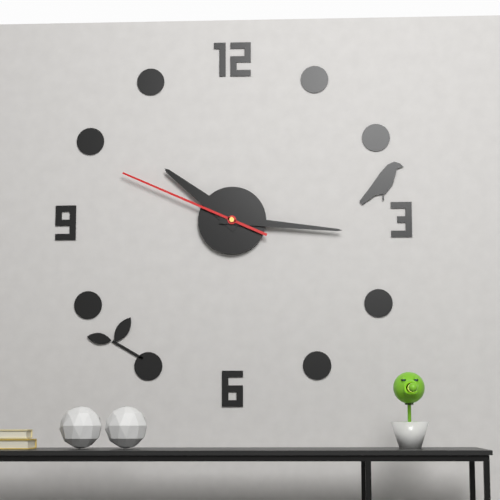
10:16:49
